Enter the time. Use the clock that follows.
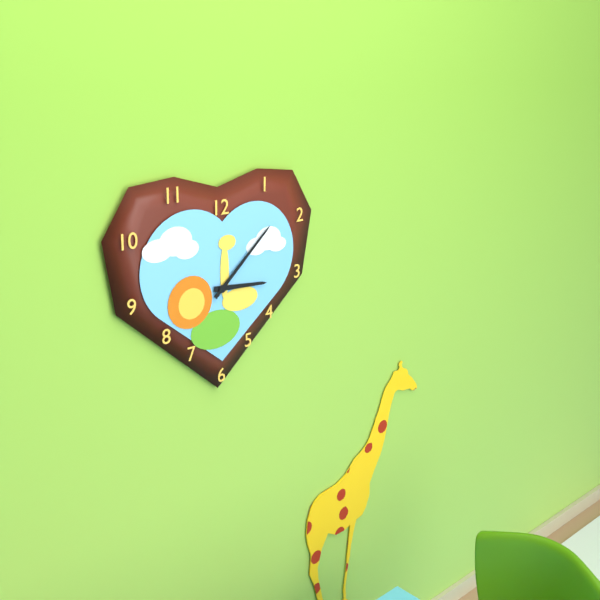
3:08
